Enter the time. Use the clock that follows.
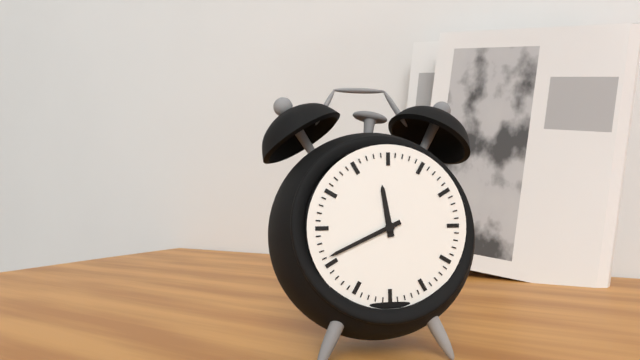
11:41
